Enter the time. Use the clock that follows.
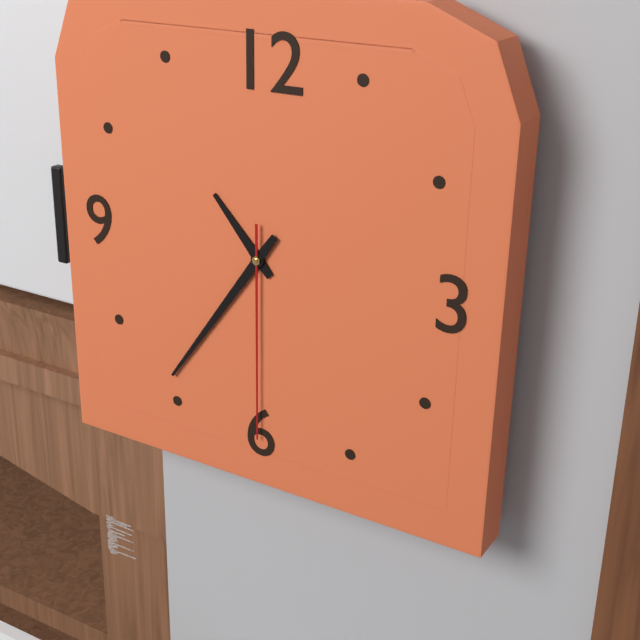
10:36:30
